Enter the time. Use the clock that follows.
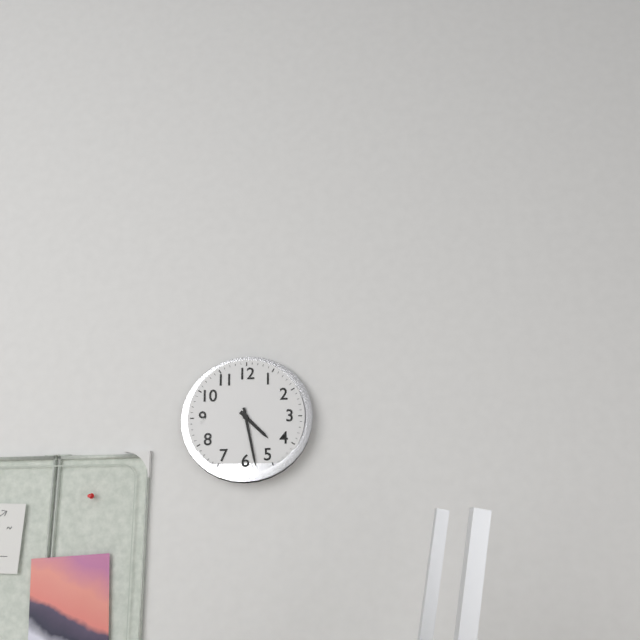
4:28
